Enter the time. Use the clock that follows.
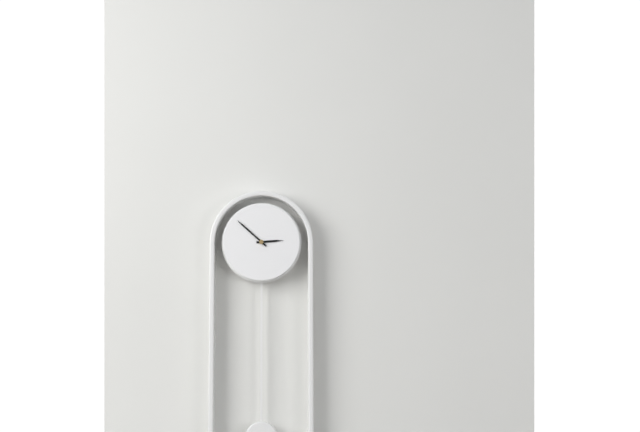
2:52
